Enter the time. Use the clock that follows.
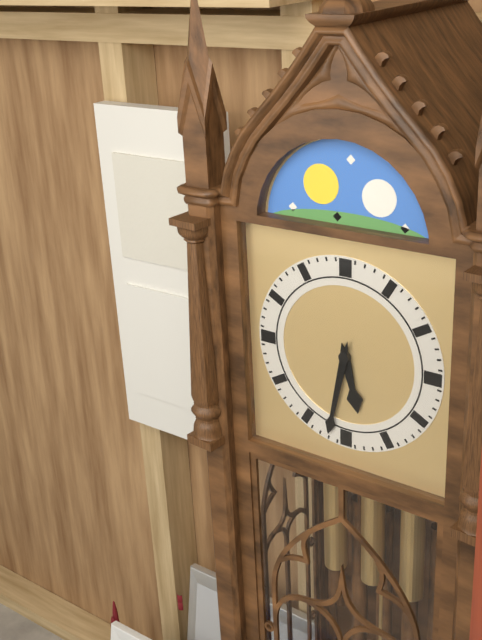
5:32
